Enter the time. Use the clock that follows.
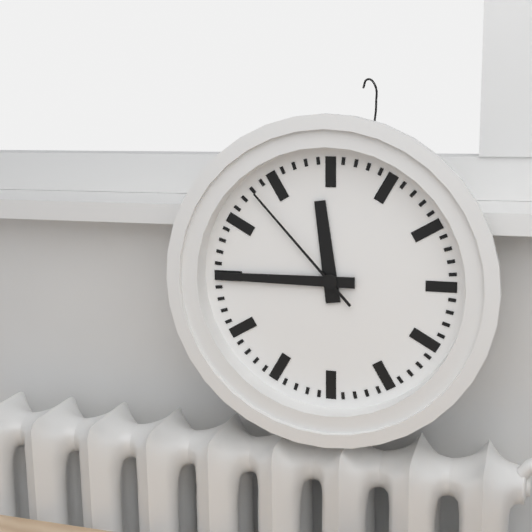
11:45:53
